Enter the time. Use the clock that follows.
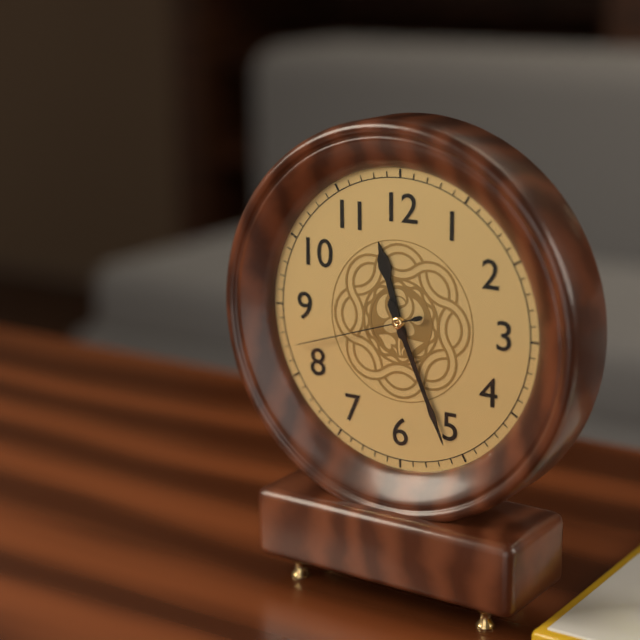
11:26:42
